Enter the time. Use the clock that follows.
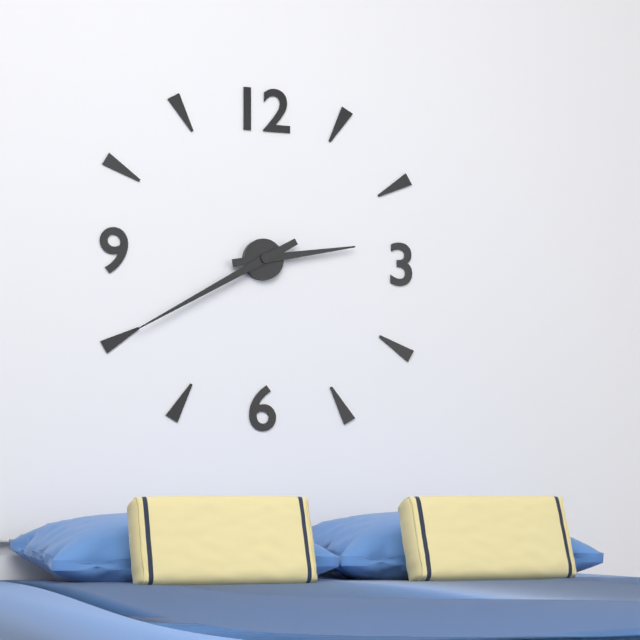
2:40
